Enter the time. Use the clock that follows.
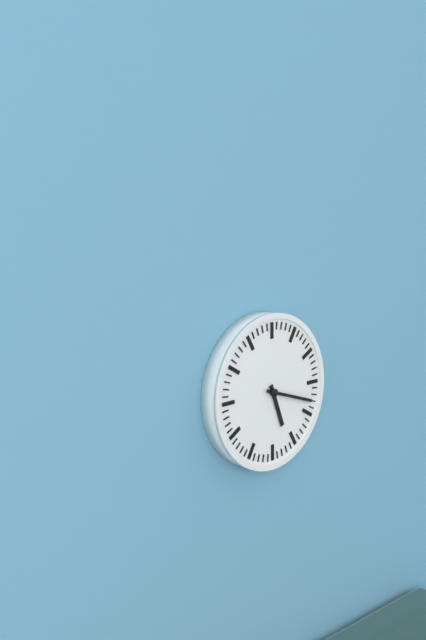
5:18
